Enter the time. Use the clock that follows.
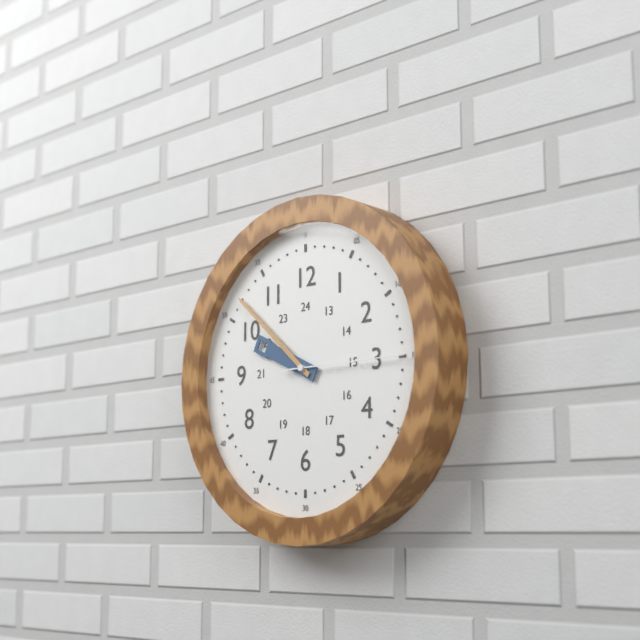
9:52:15
